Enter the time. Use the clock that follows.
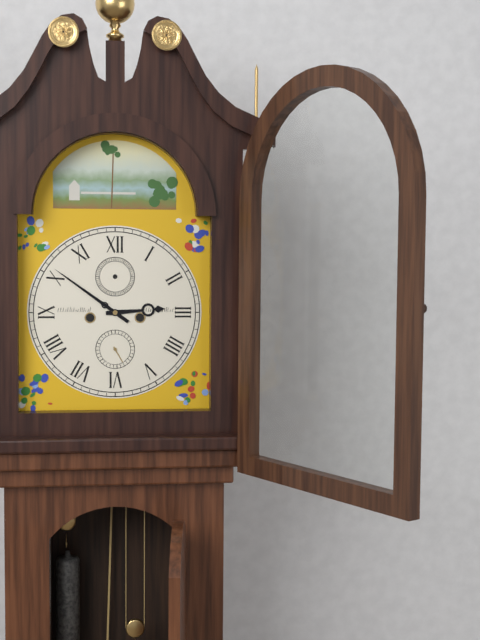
2:51
